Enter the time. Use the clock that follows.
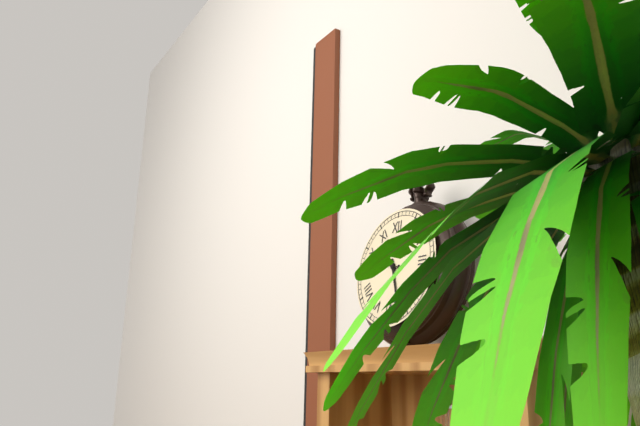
10:27
